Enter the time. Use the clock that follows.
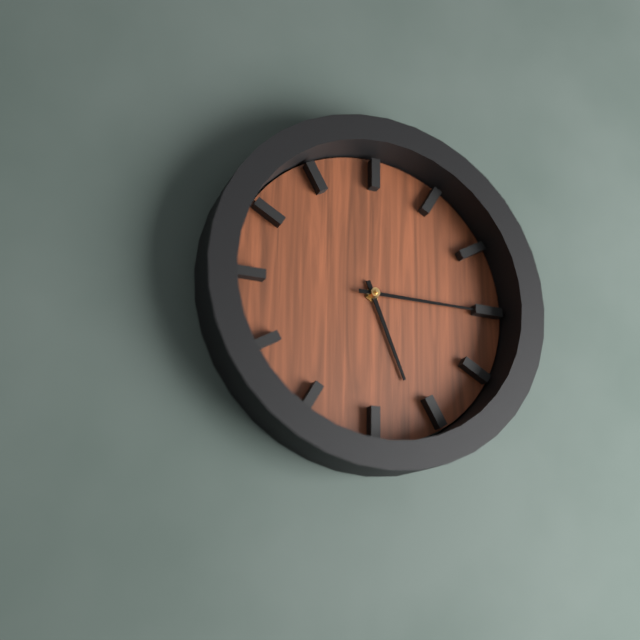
5:15
